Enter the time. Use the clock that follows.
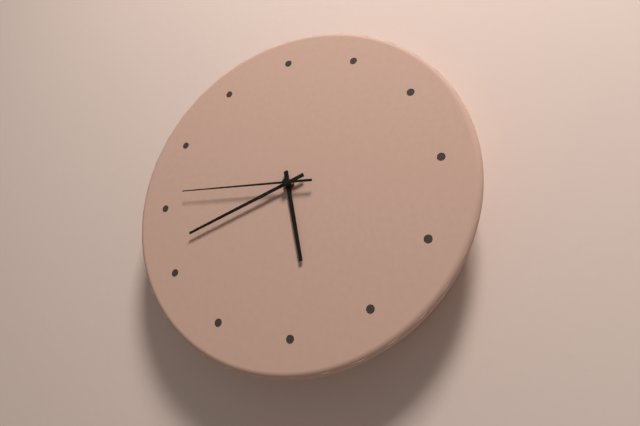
5:42:46
